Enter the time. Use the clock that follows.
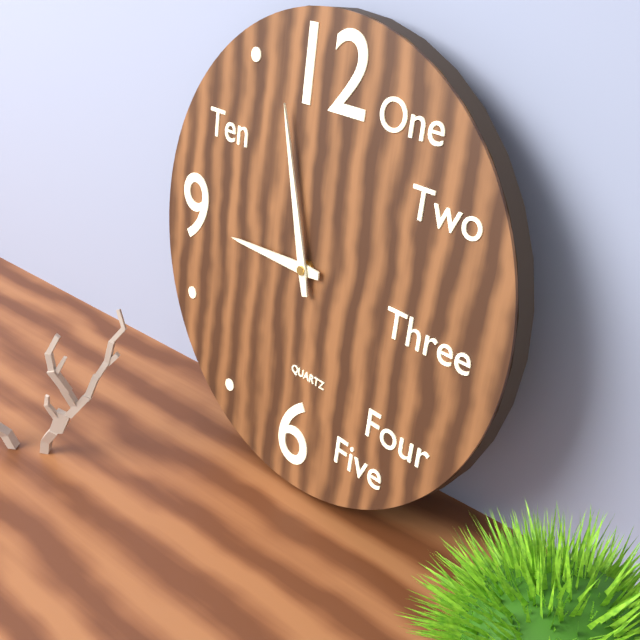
8:57
